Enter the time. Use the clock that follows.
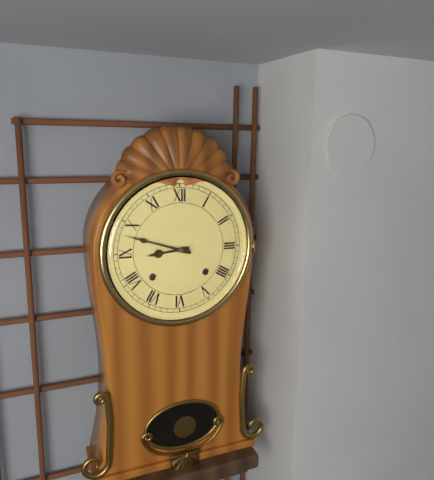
8:48
